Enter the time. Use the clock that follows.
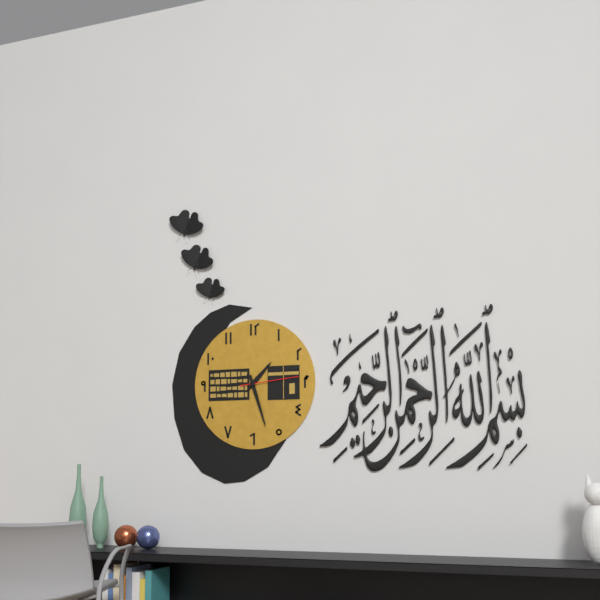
1:27:14
